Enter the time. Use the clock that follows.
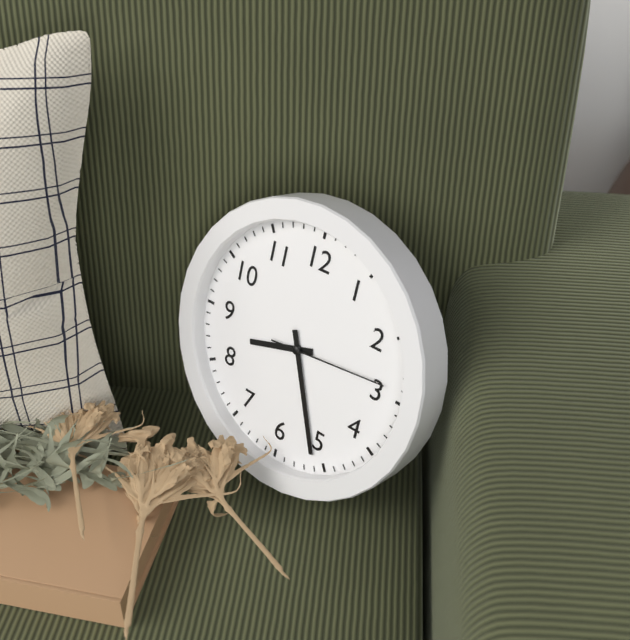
8:26:14
